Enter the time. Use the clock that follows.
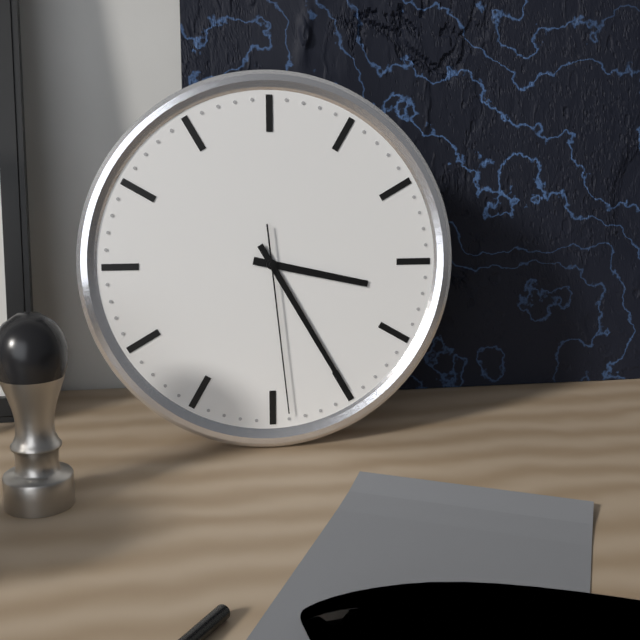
3:25:29
